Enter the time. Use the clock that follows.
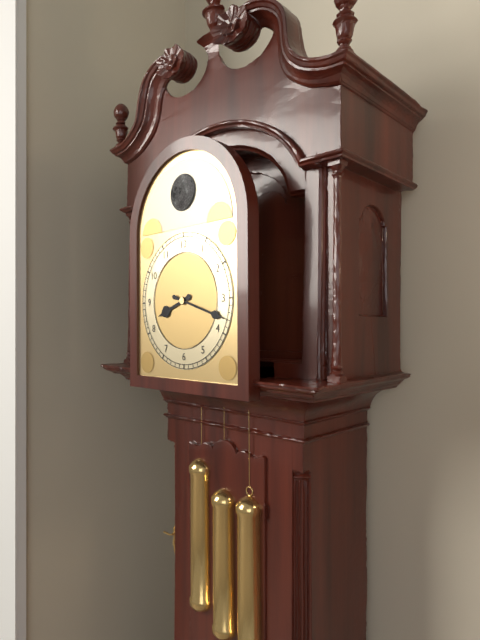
8:18
